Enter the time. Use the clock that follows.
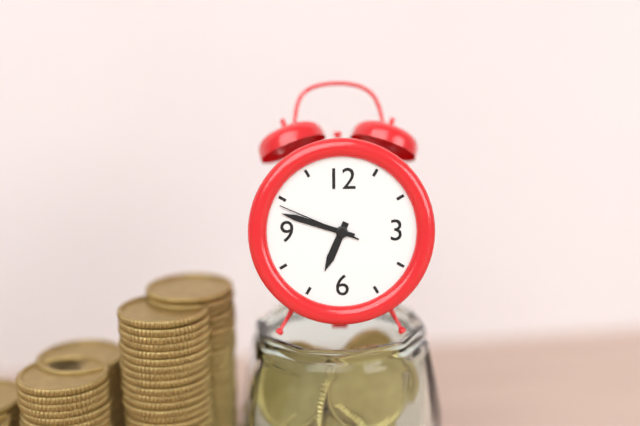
6:48:49
